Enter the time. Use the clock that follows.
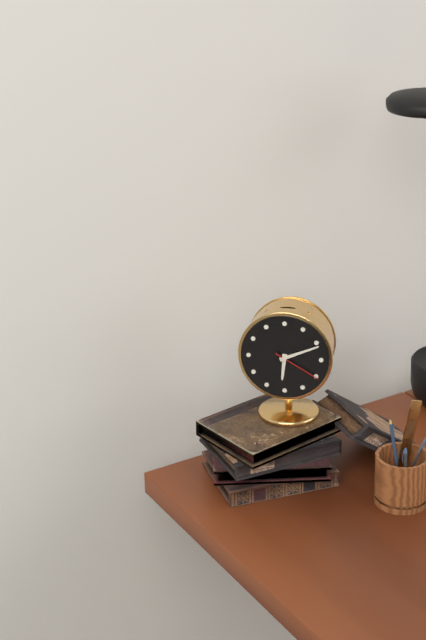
6:11:20
